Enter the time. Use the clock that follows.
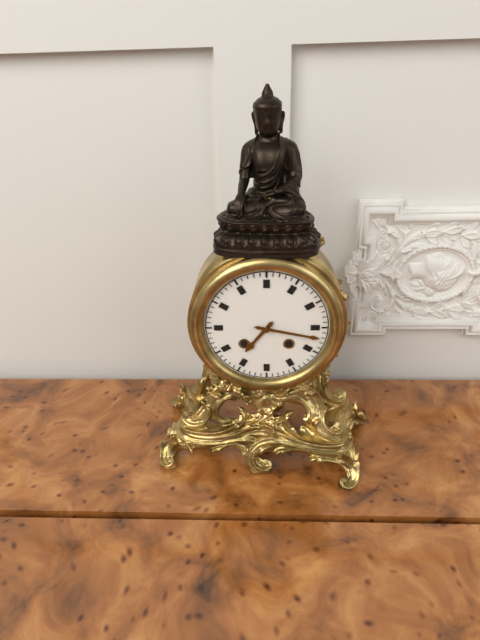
7:17
